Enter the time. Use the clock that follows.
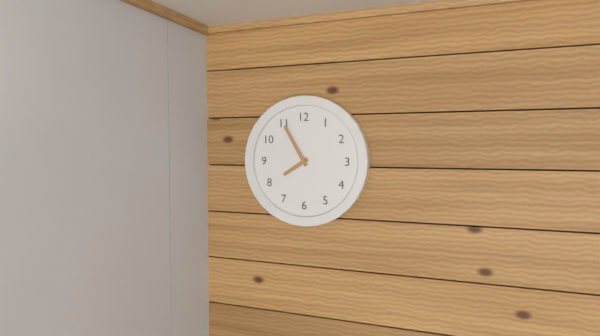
7:55
